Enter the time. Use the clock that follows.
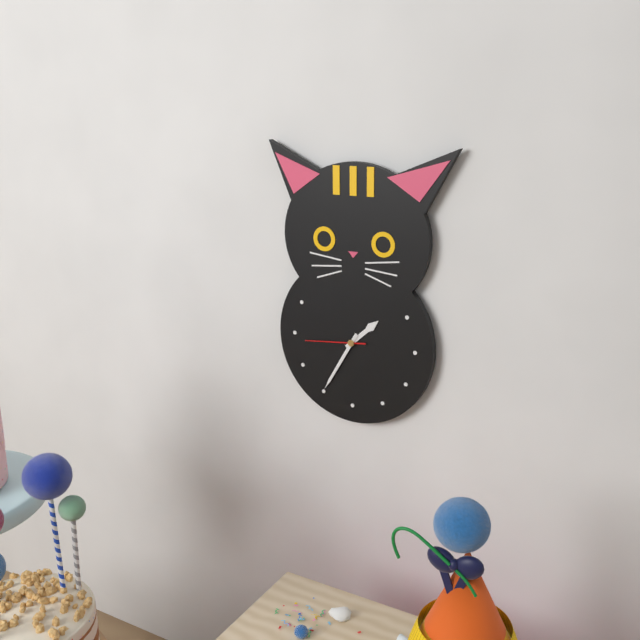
1:35:44
